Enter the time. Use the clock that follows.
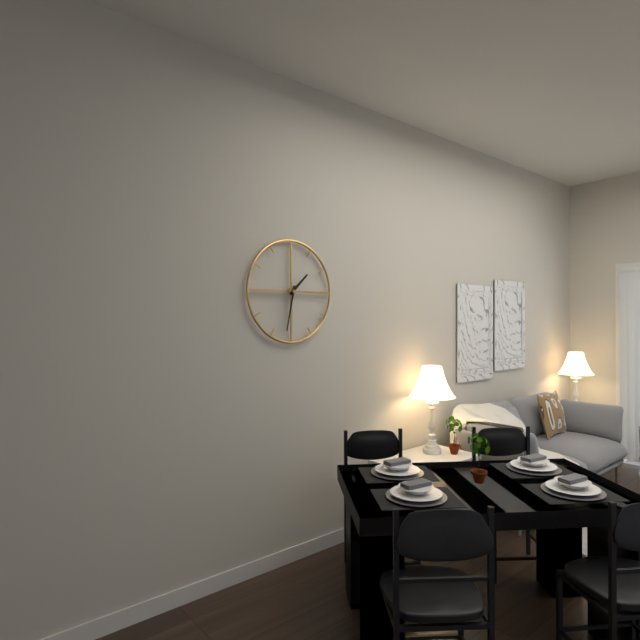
1:32
